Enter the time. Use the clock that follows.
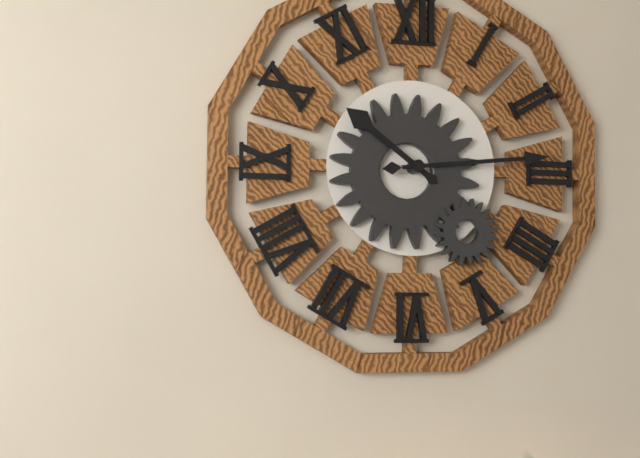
10:14
